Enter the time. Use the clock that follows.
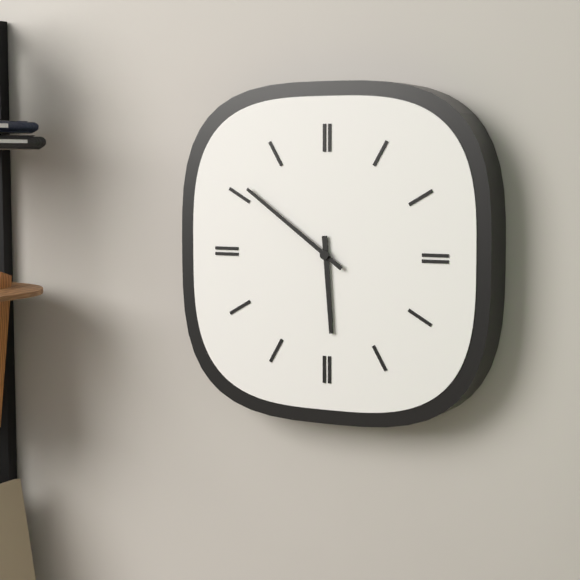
5:51
